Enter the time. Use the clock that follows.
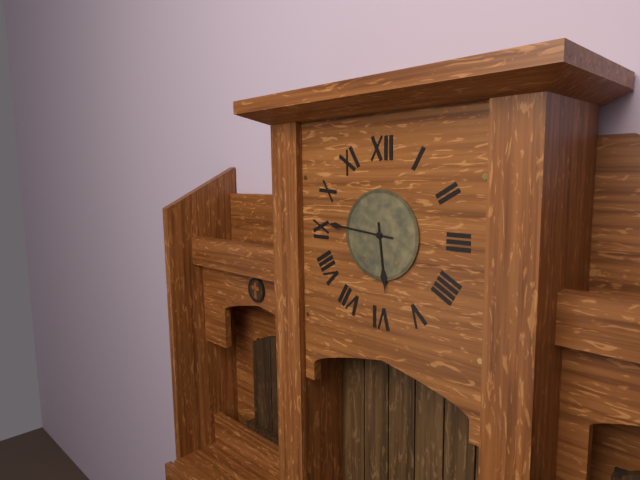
5:46
